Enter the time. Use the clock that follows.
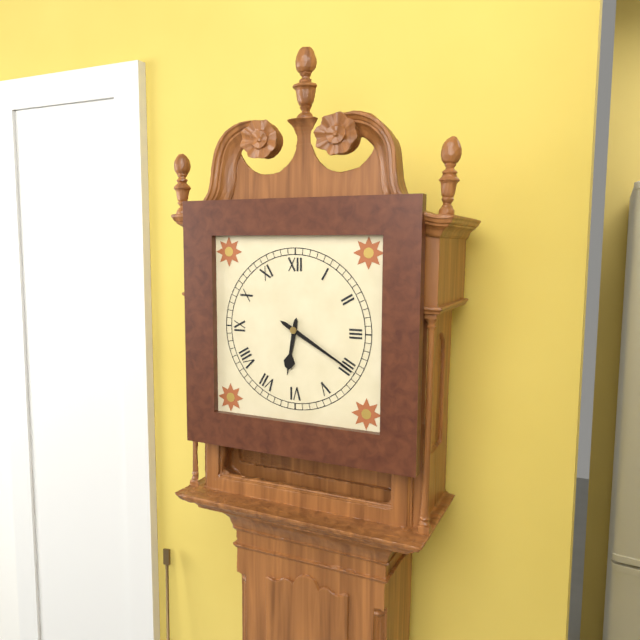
6:20
